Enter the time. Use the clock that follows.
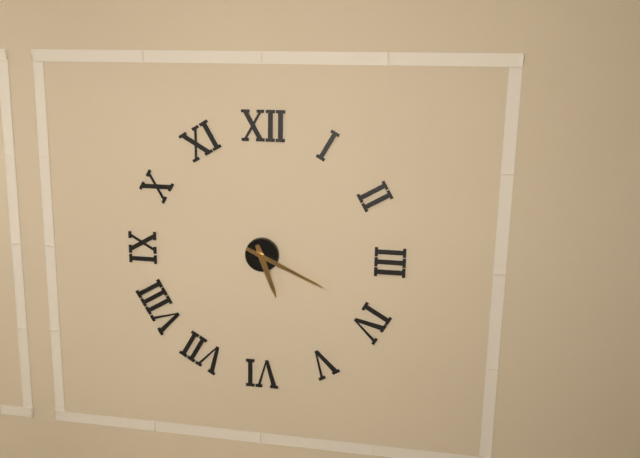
5:19
